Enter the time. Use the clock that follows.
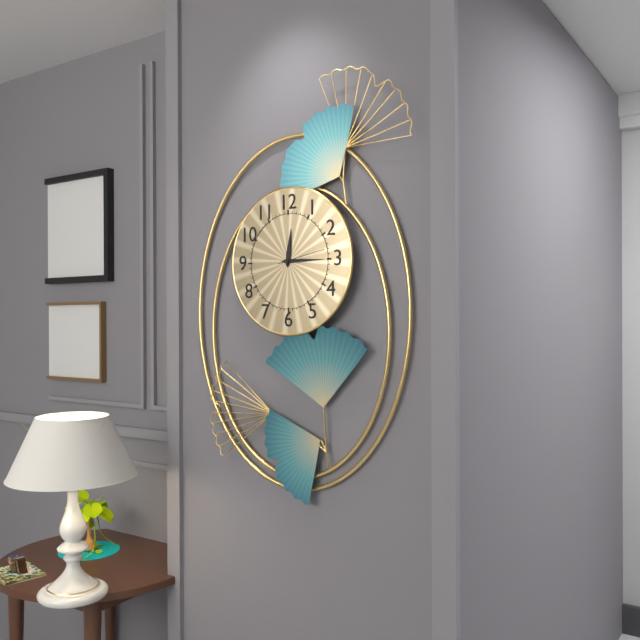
12:15
